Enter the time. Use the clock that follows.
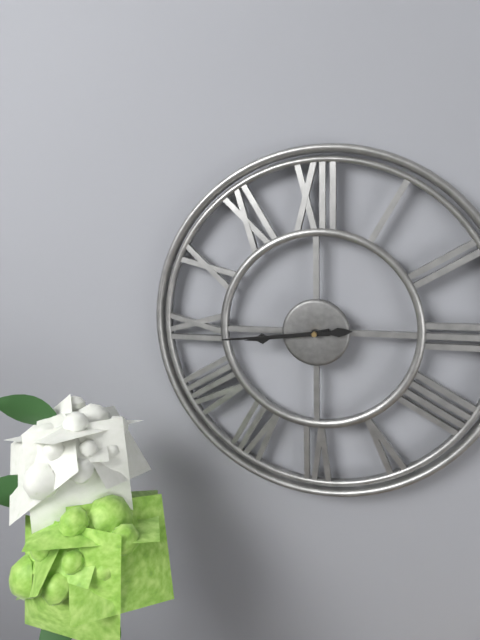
8:44
